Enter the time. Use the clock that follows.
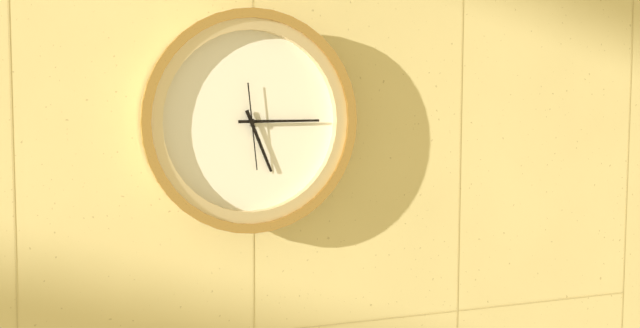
5:15:29
